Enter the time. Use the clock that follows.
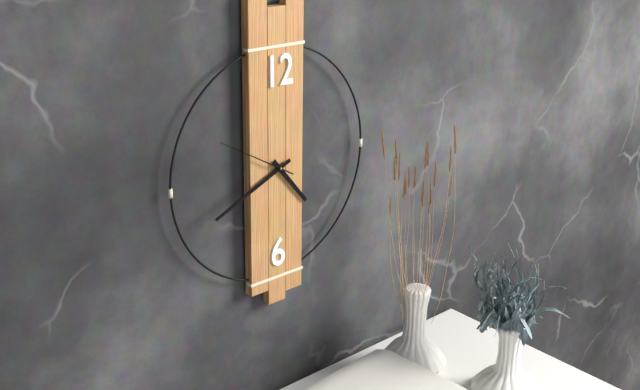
4:41:50
